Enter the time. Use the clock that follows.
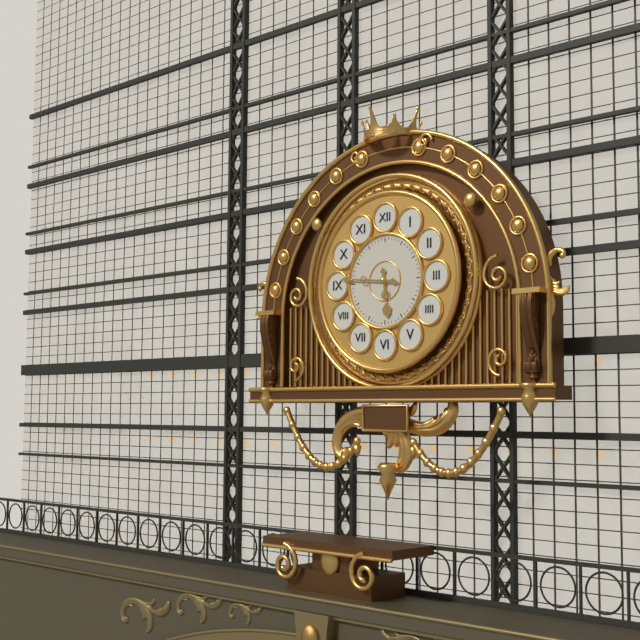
5:46
